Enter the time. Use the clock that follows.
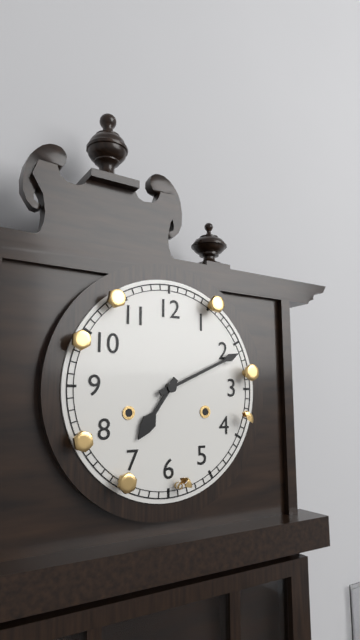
7:11
